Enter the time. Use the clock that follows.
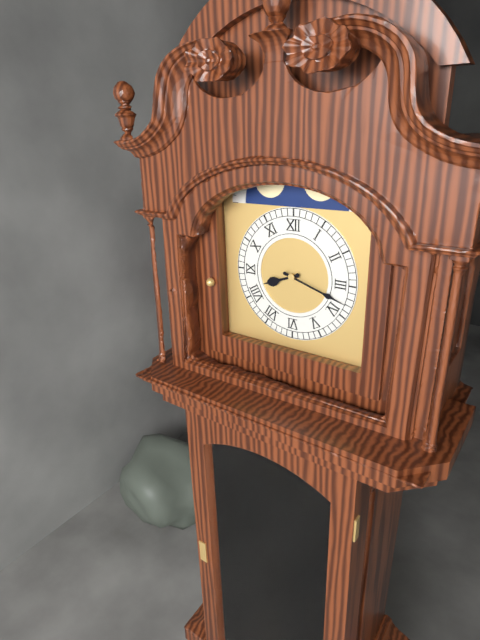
8:18
